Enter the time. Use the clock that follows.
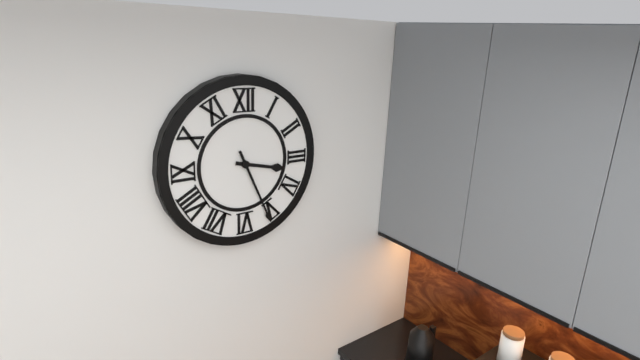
3:26
